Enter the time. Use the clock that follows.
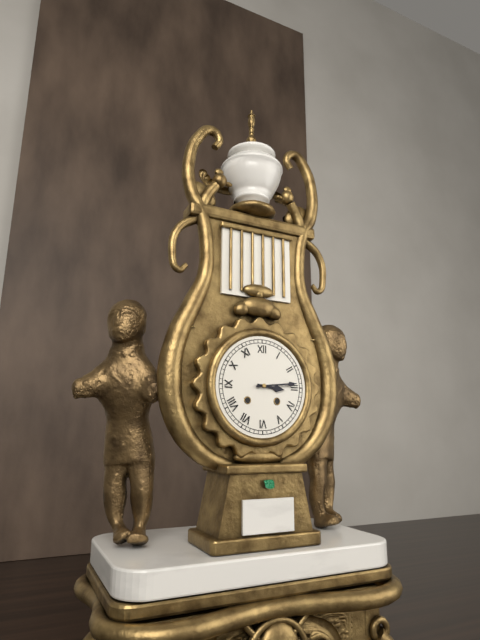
3:14
